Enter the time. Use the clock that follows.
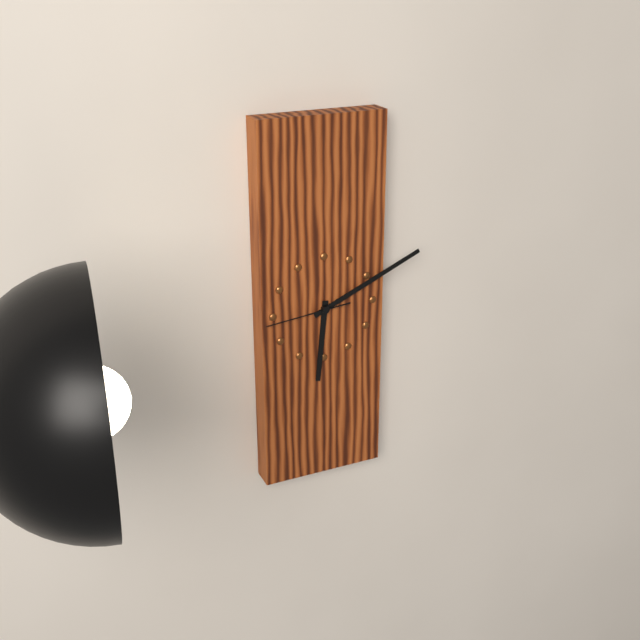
6:11:44
